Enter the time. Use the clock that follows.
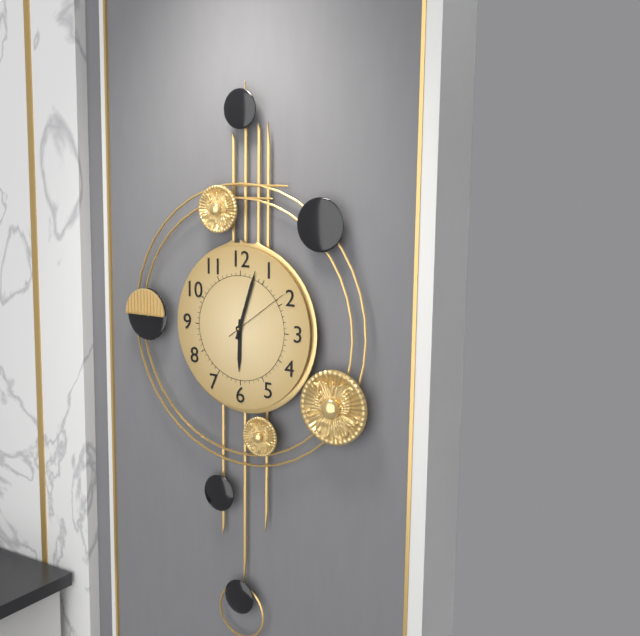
6:03:09
